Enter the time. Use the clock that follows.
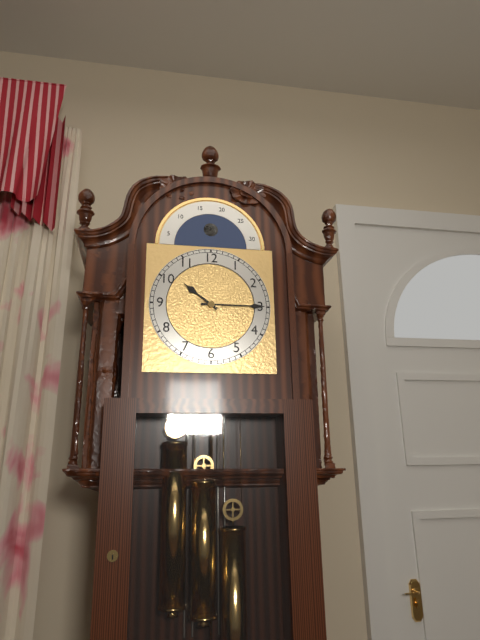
10:15
